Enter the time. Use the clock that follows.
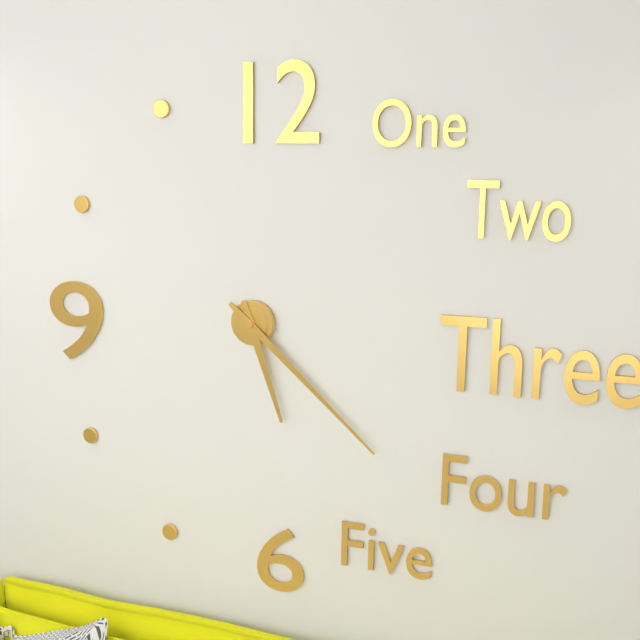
5:22
